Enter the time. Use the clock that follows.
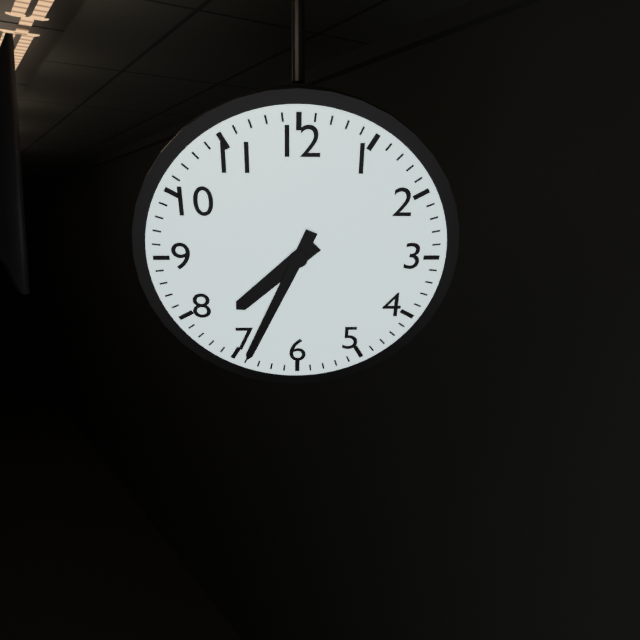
7:34
